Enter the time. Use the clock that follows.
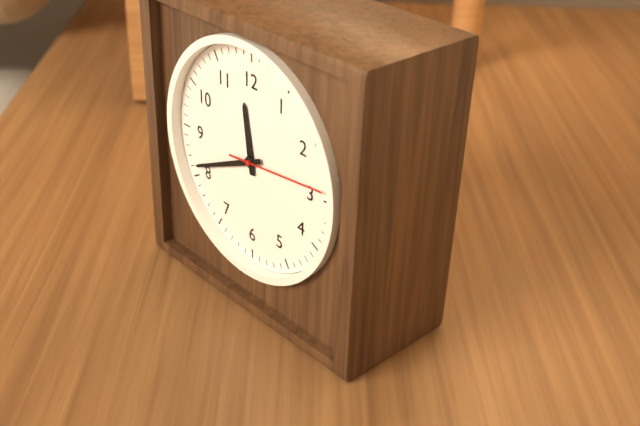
11:41:14
